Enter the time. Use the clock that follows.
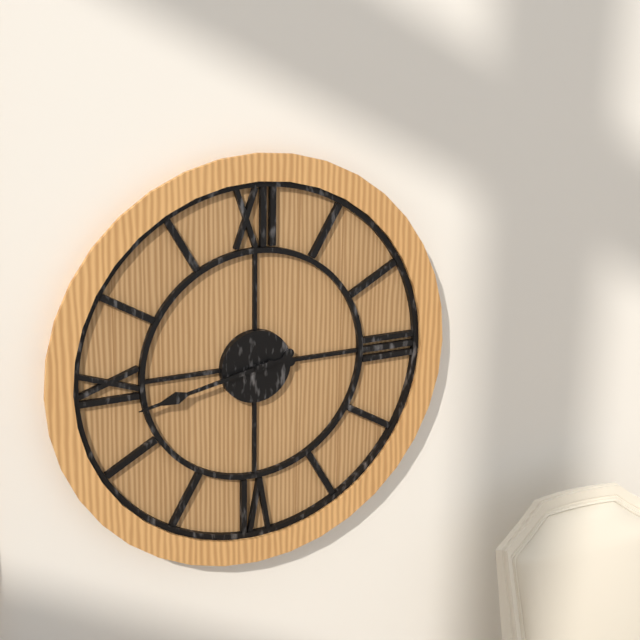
2:43
